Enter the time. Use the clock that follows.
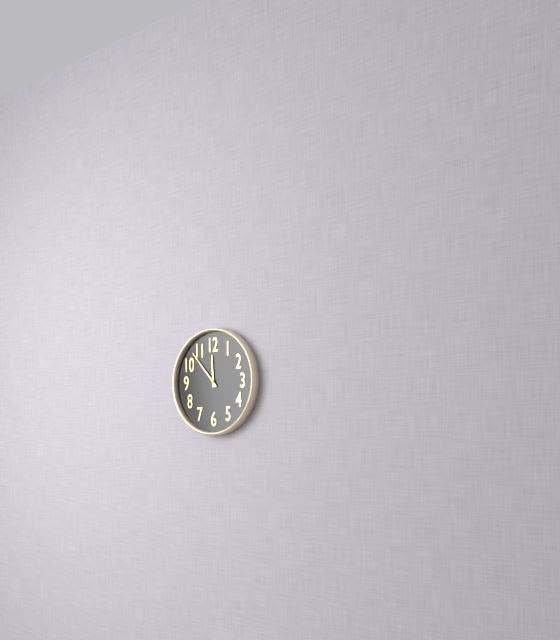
11:53
